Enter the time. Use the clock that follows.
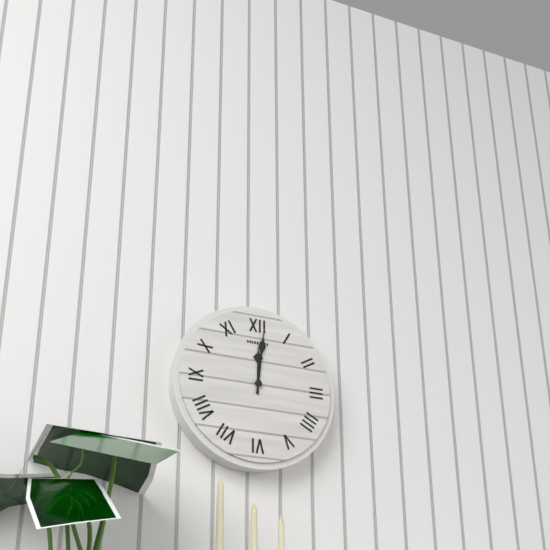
12:01
